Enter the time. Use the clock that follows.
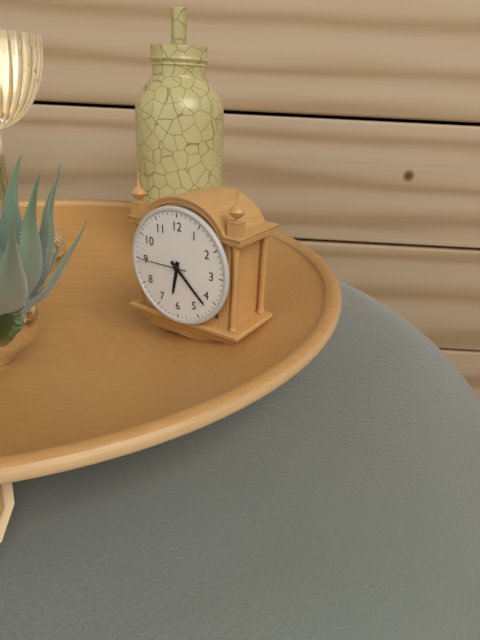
6:22
